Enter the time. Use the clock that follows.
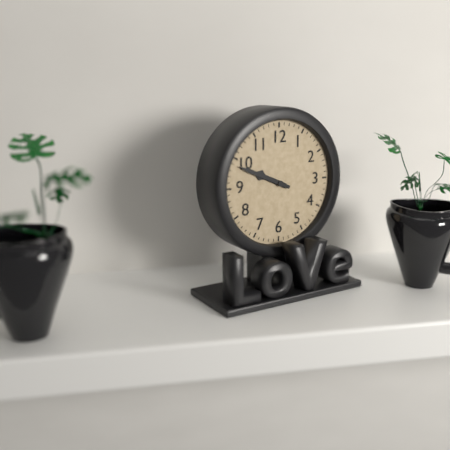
9:49
